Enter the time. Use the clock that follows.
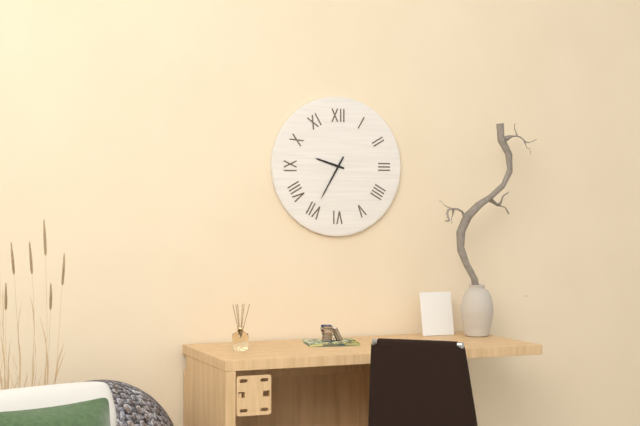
9:35
